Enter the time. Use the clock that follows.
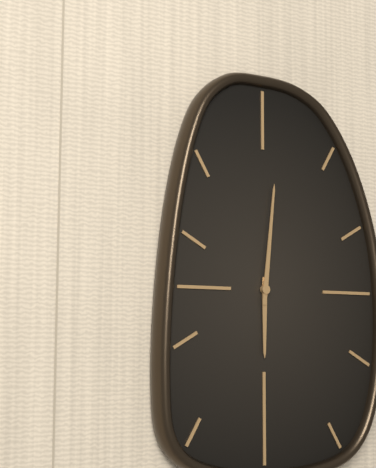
6:01
